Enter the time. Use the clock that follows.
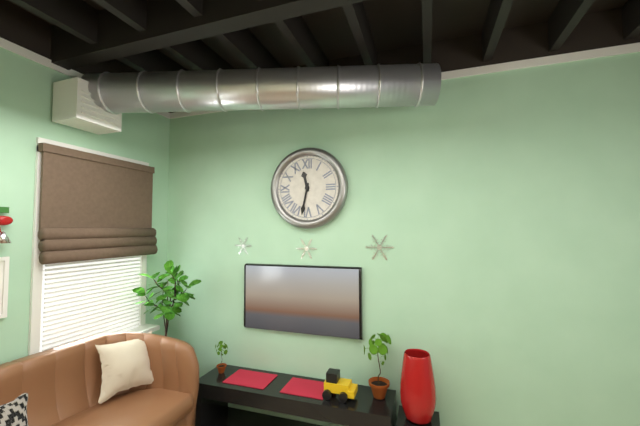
11:32
